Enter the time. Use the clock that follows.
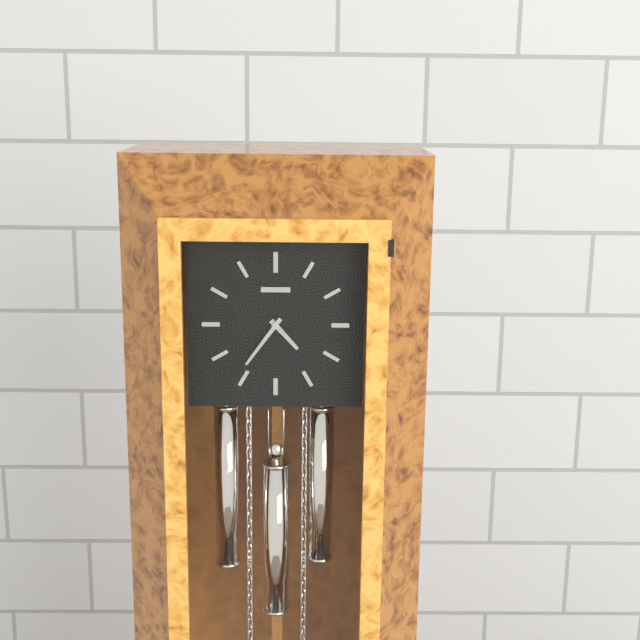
4:36
